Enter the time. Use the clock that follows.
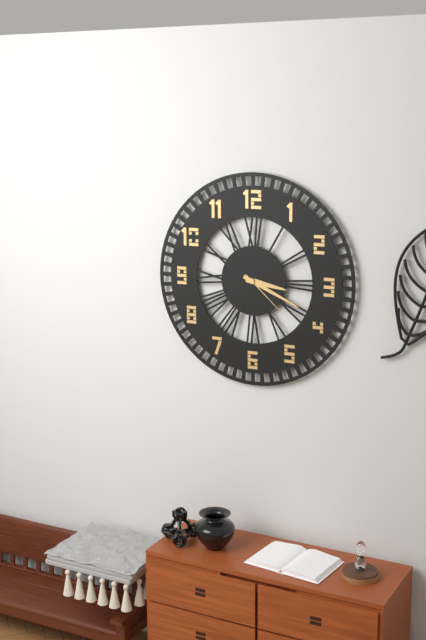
3:19:22
